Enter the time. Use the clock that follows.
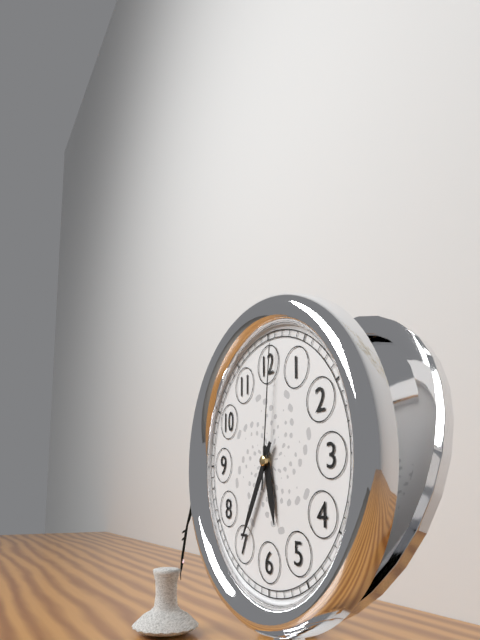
5:35:01
